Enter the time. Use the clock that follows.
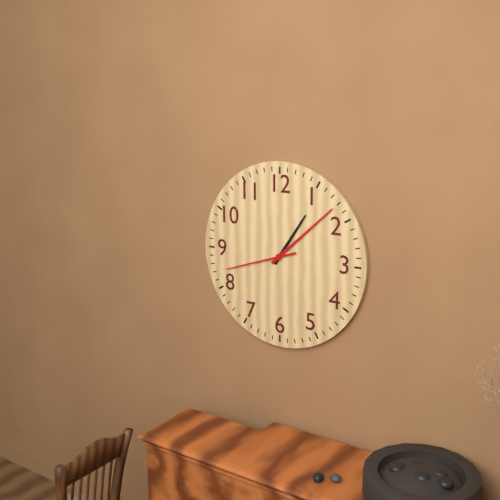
1:08:42
